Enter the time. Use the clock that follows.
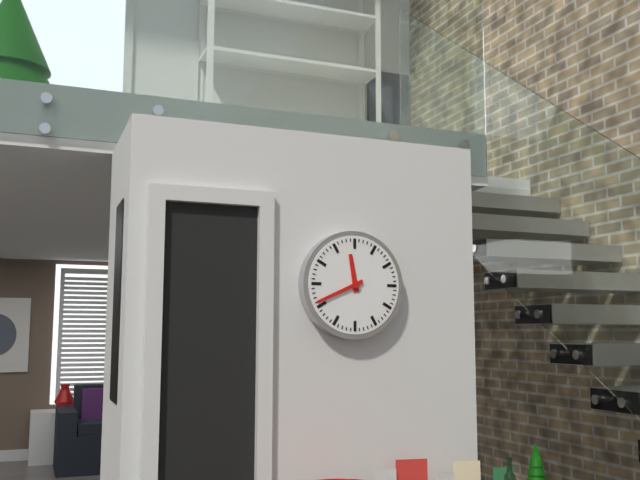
11:41
